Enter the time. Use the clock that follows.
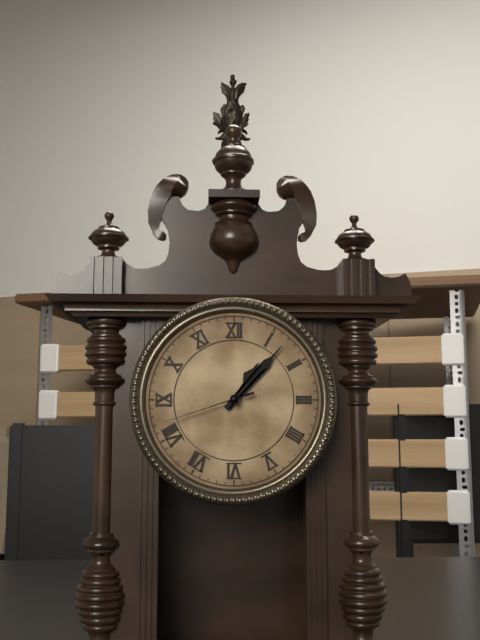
1:07:42
